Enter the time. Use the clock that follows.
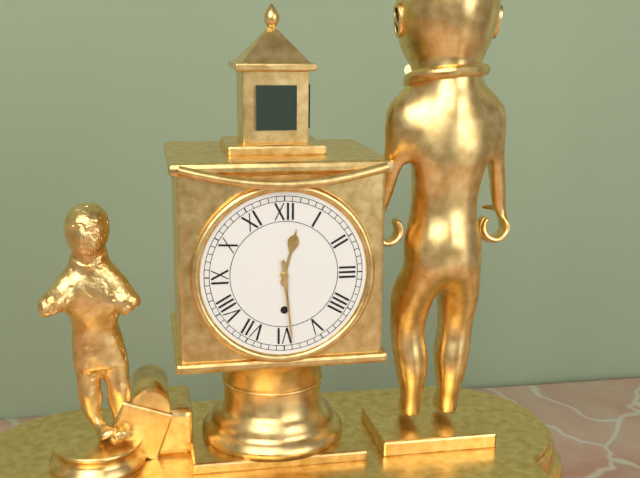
12:29
